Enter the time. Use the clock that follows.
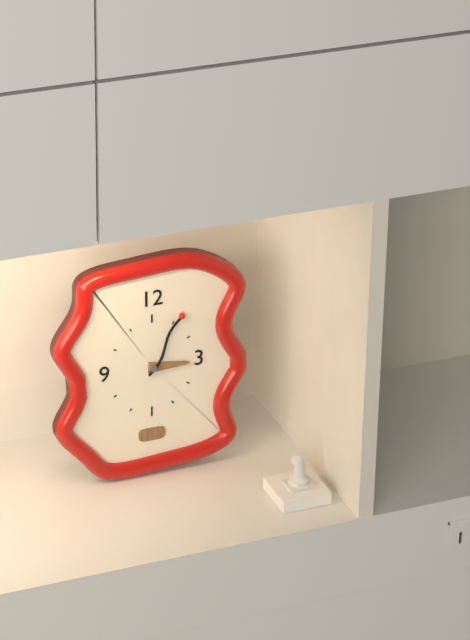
3:05
